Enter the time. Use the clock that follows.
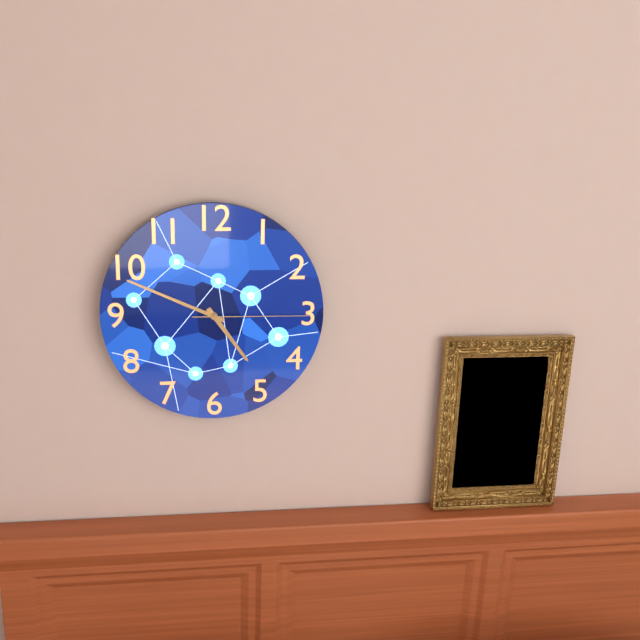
4:49:15
